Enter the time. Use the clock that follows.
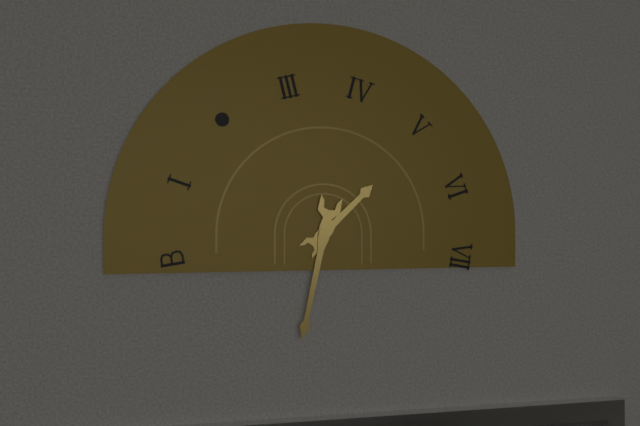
1:32
